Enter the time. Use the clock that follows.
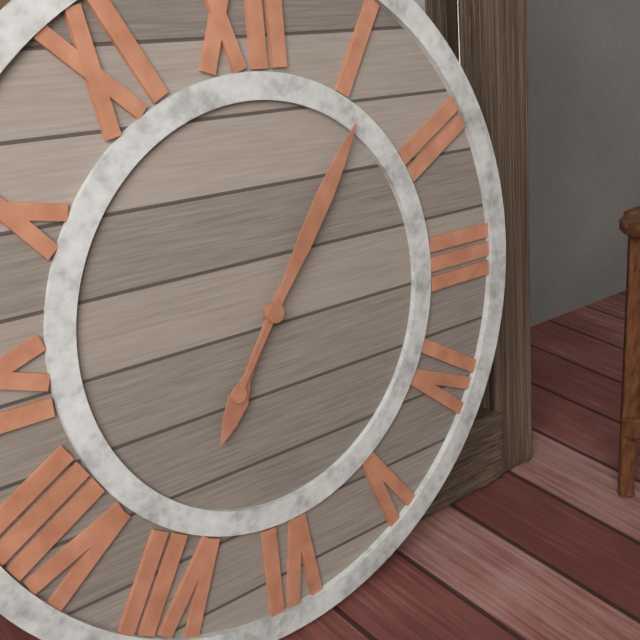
7:06
